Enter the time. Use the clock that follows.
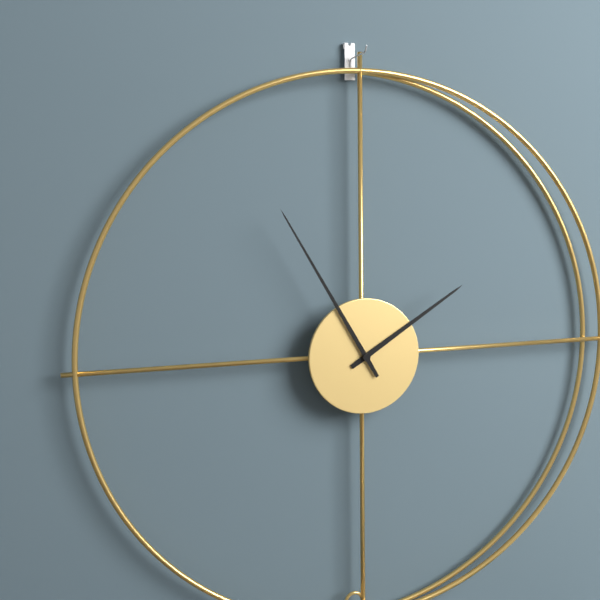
1:55
